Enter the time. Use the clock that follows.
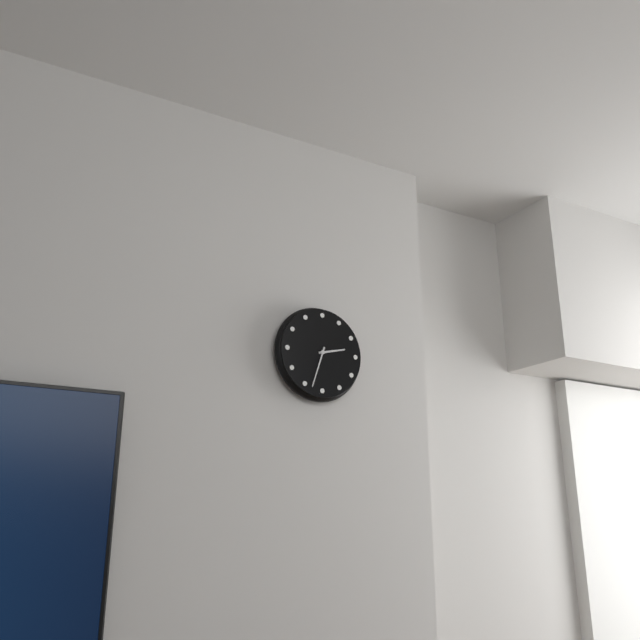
2:33
